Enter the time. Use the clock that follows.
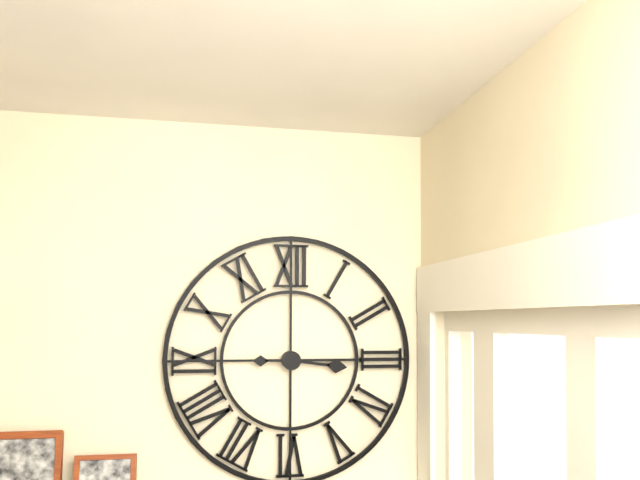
3:15
